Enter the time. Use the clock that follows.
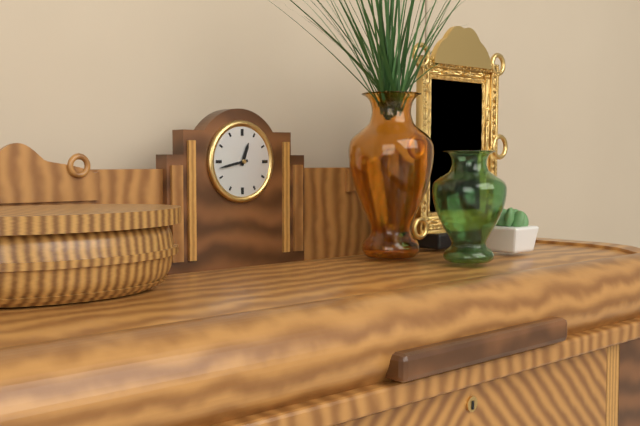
12:43
